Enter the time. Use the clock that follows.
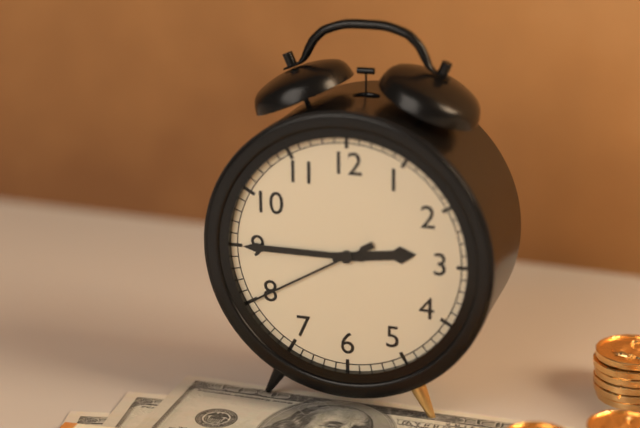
2:45:40
